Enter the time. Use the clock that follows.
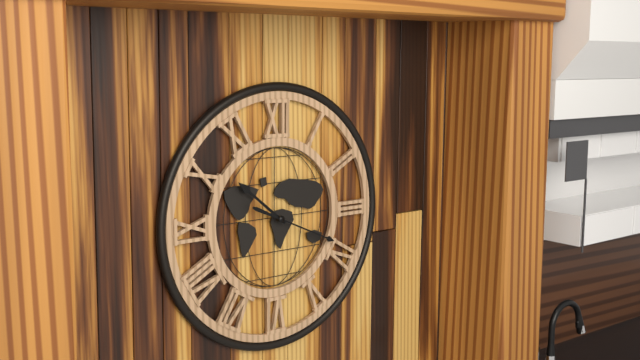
10:19
